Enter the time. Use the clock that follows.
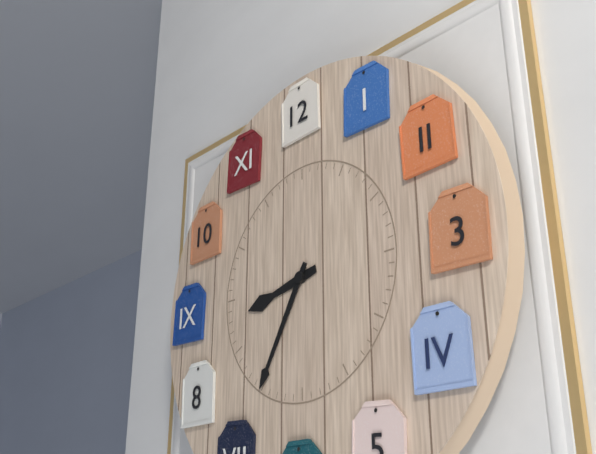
8:35
